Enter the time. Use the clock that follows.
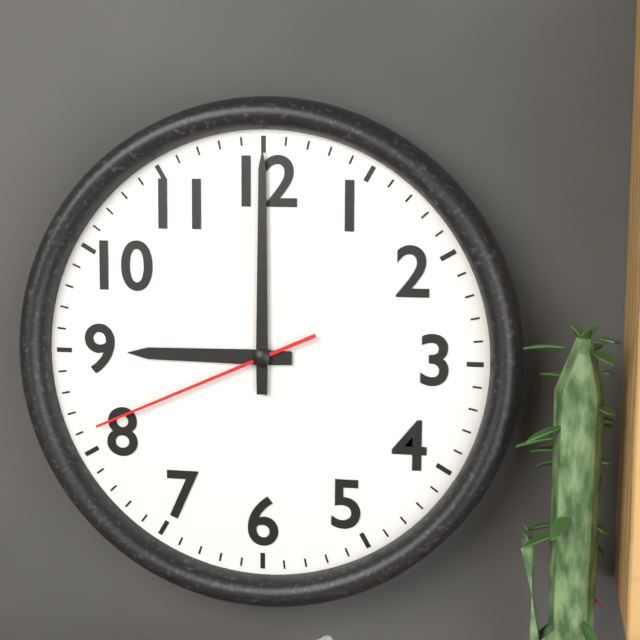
9:00:41
